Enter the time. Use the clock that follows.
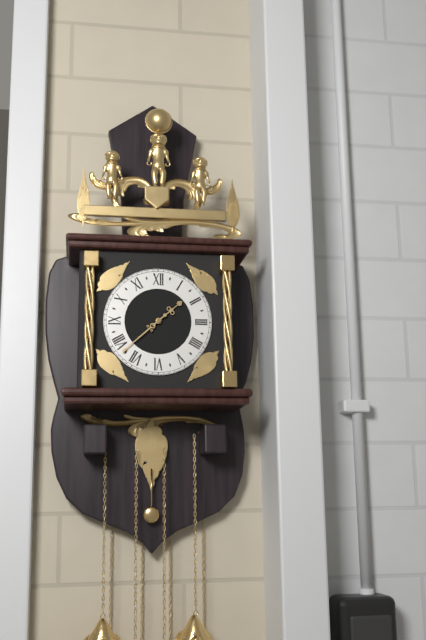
1:38
